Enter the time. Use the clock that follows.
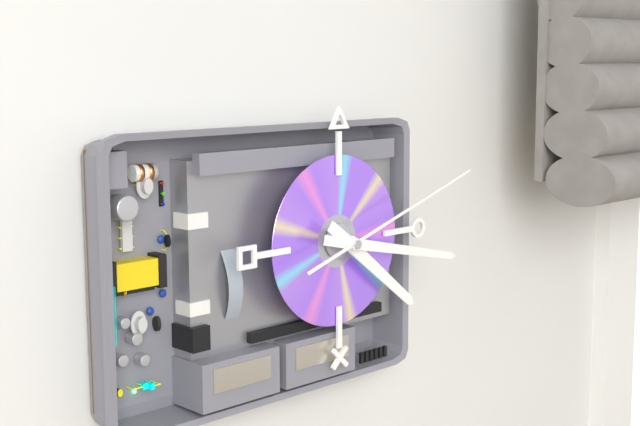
4:17:12
